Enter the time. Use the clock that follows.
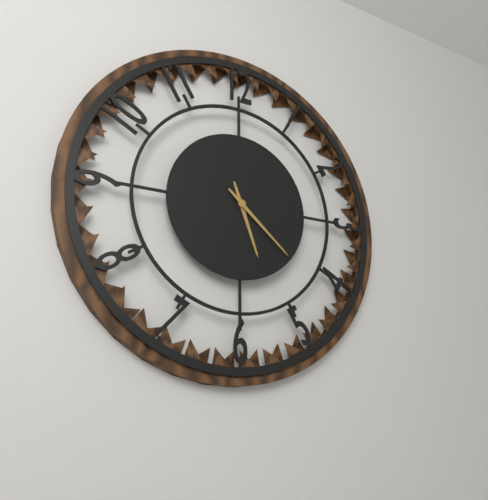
5:22
